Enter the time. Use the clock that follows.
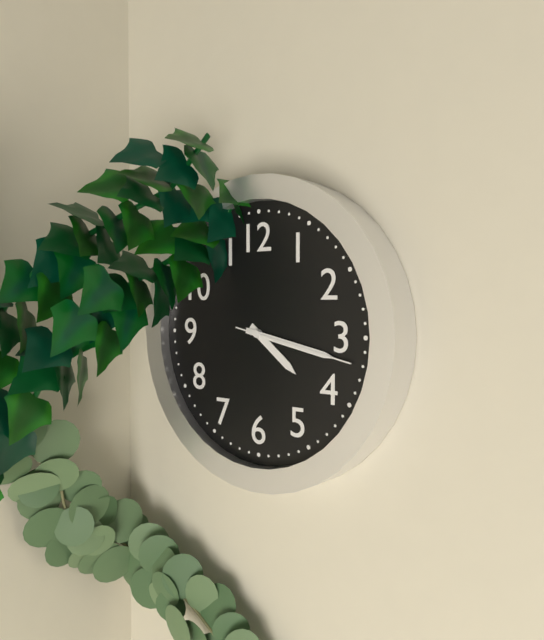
4:17:17
